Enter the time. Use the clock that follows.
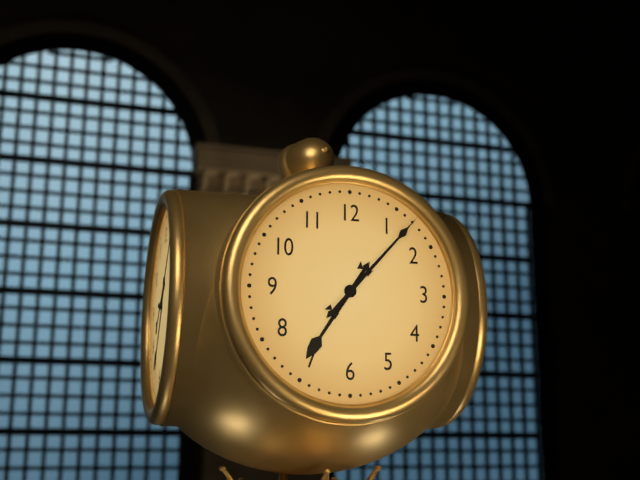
7:07
